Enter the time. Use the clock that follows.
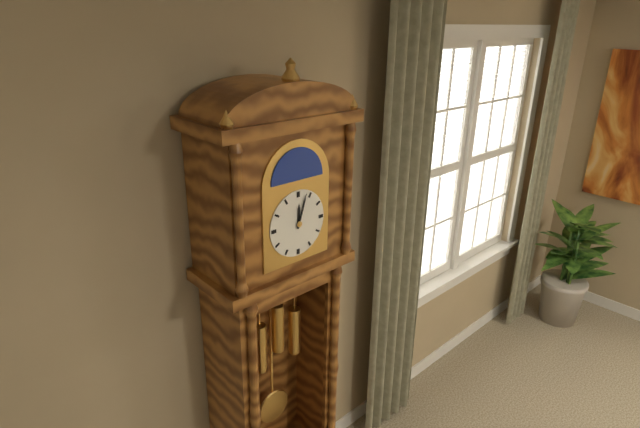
12:03
